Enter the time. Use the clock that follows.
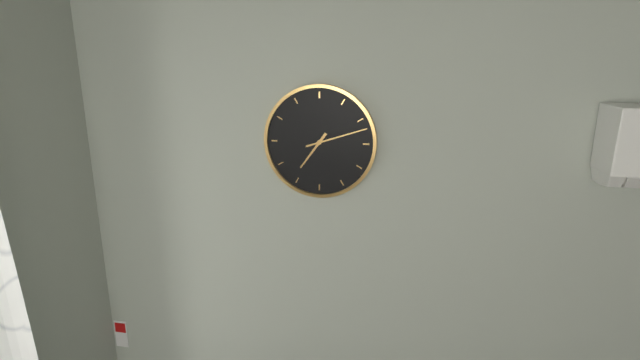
7:12
